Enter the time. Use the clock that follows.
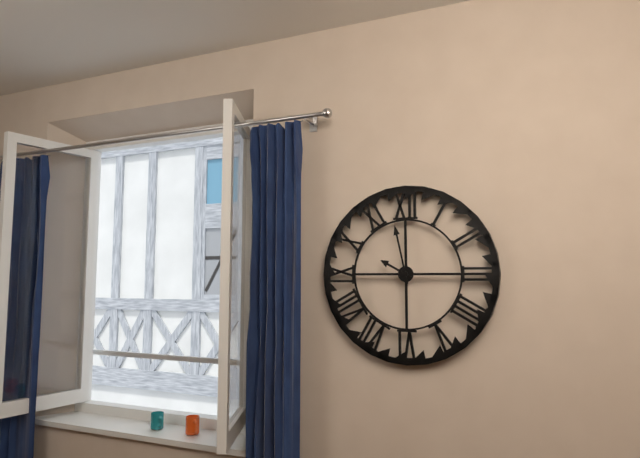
9:58
